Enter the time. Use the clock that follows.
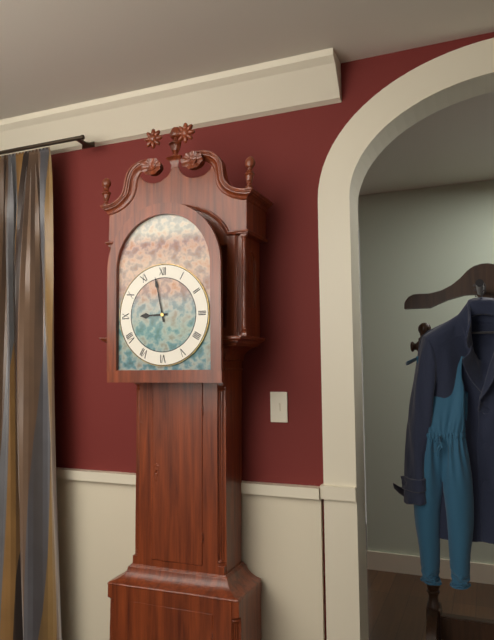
8:58
